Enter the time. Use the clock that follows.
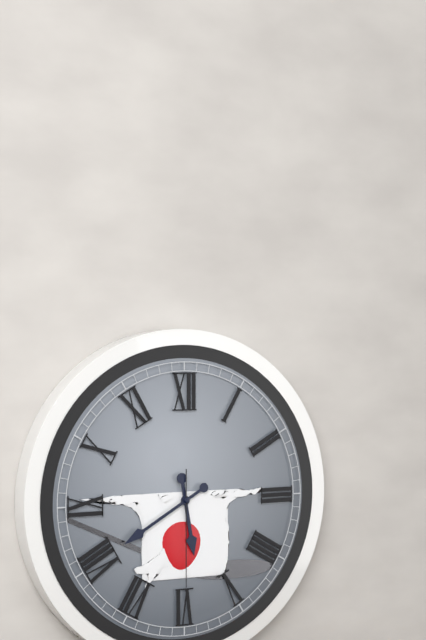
5:40:30
